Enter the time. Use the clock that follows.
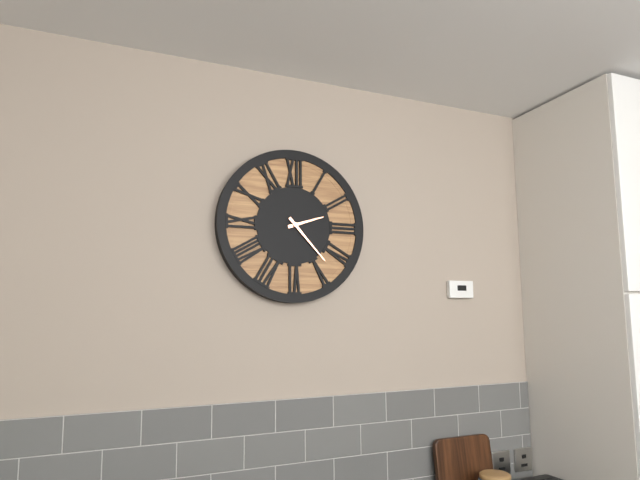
2:23
